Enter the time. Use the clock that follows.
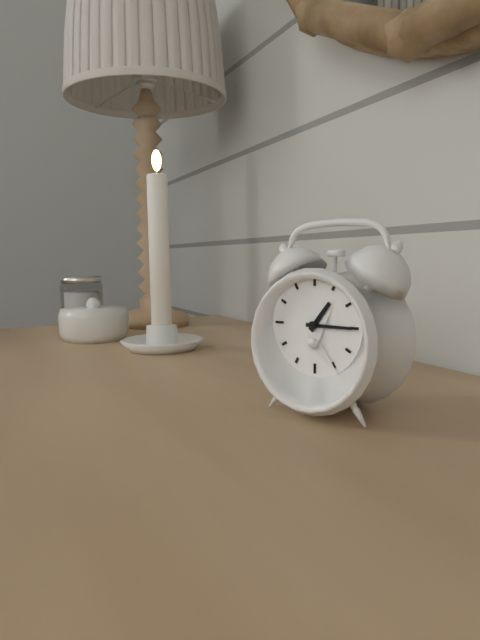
1:15
